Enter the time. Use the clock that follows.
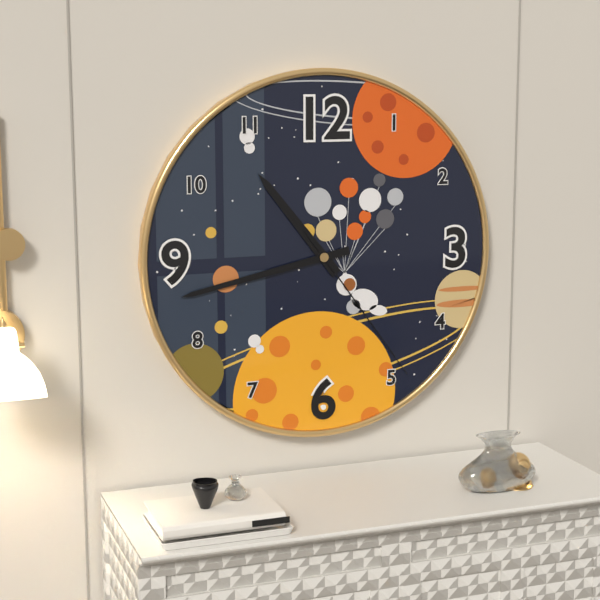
10:43:24
